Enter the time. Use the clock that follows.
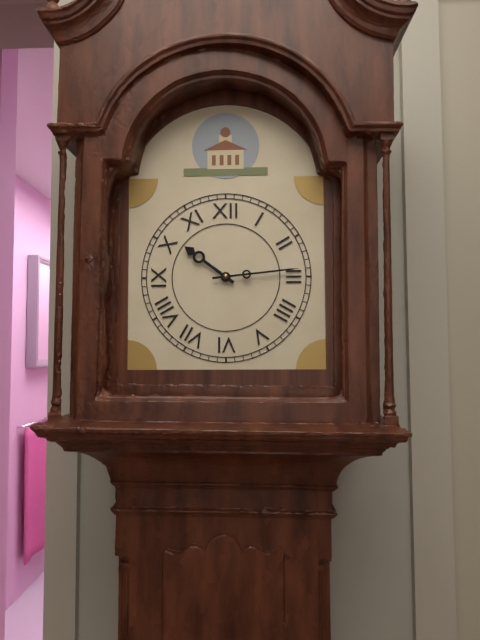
10:14
